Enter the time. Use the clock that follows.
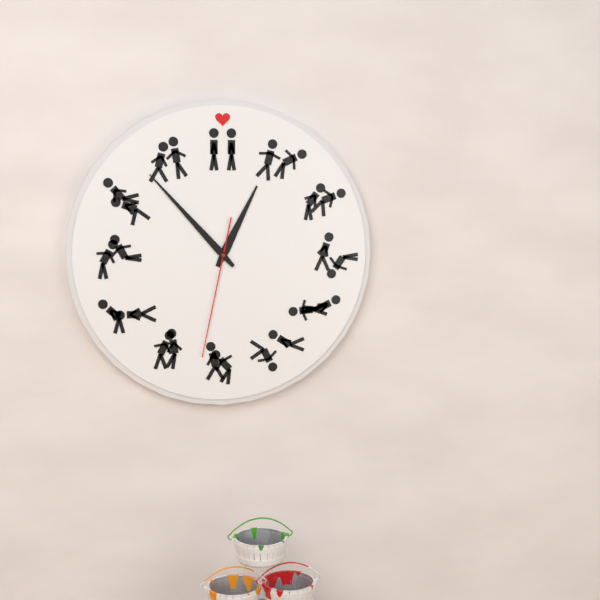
12:53:32
